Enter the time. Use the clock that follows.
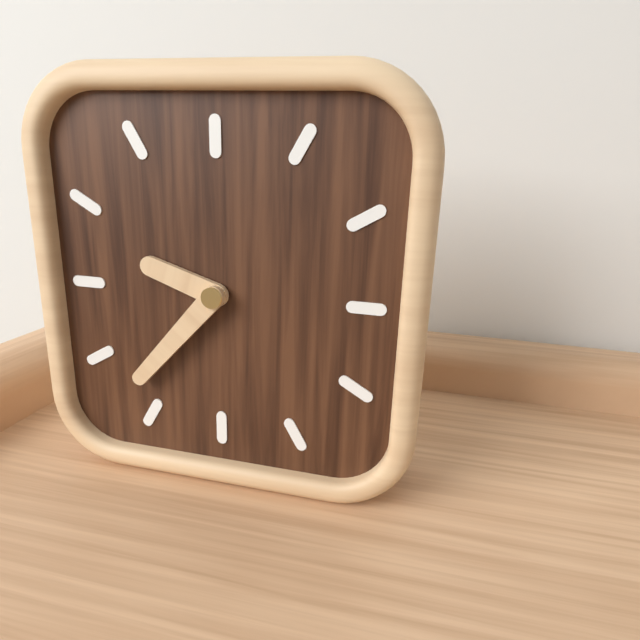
9:37
